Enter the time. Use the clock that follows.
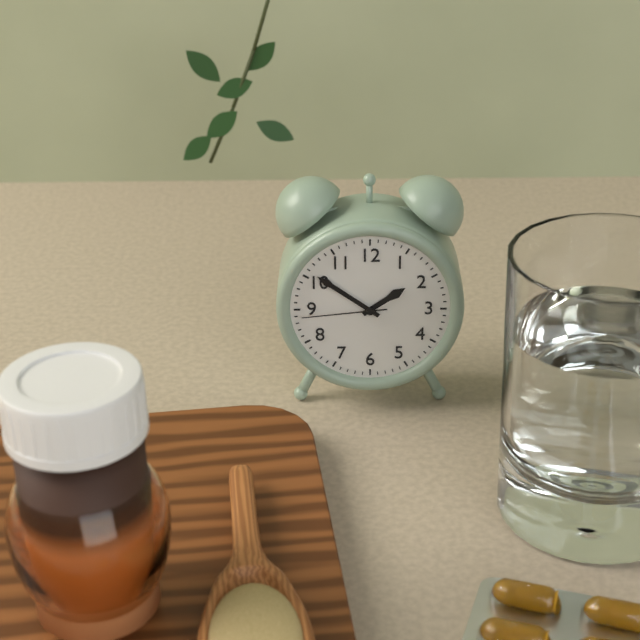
1:51:44
